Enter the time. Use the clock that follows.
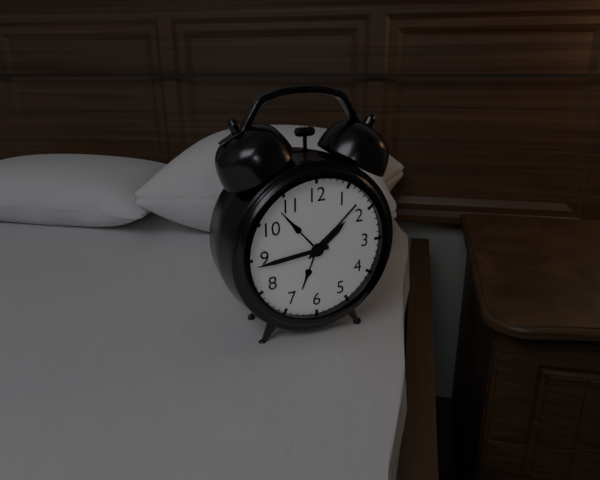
1:44
